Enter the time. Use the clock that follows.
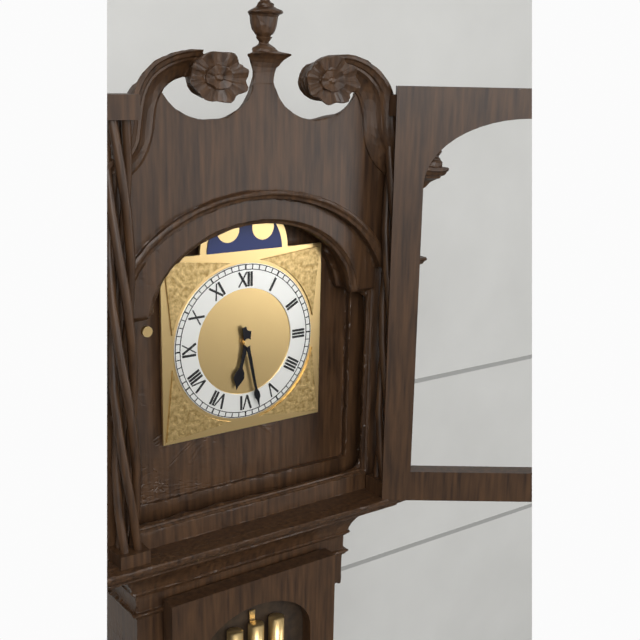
6:28
